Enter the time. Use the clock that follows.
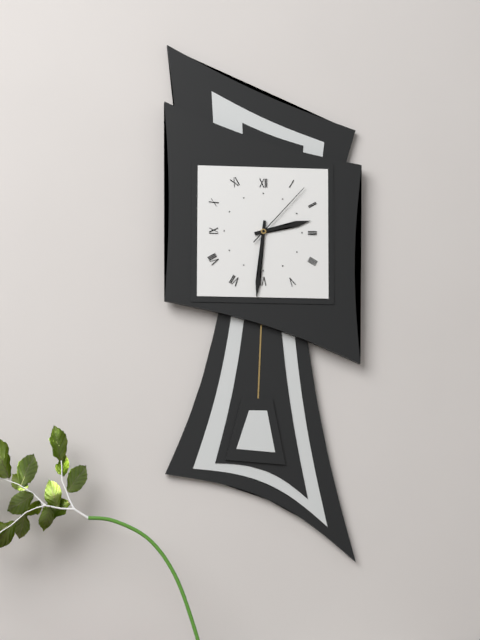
2:31:07
